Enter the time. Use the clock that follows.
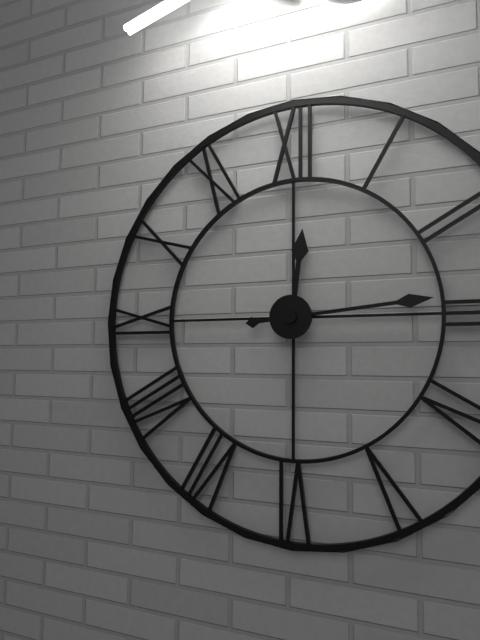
12:14
